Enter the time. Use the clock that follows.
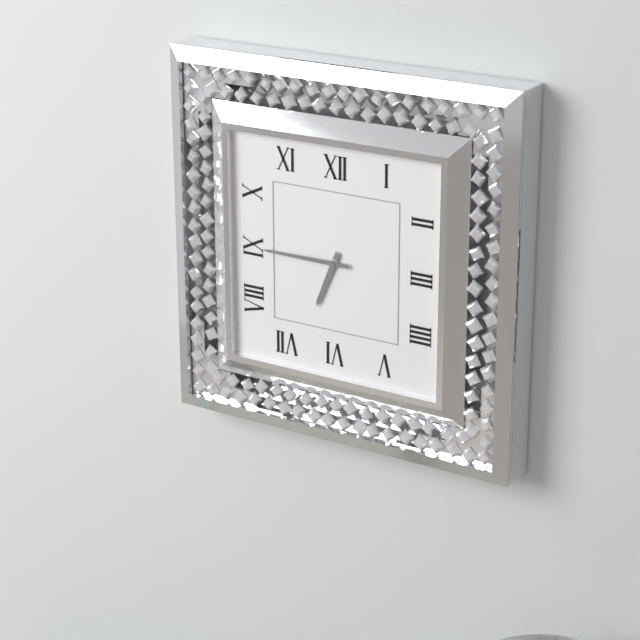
6:45
